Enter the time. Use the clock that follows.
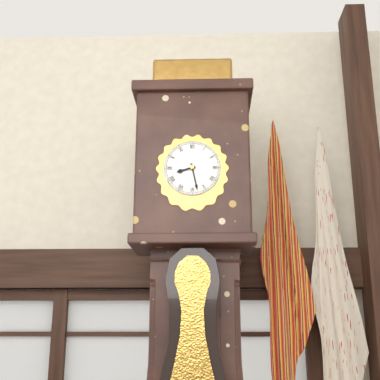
8:28
